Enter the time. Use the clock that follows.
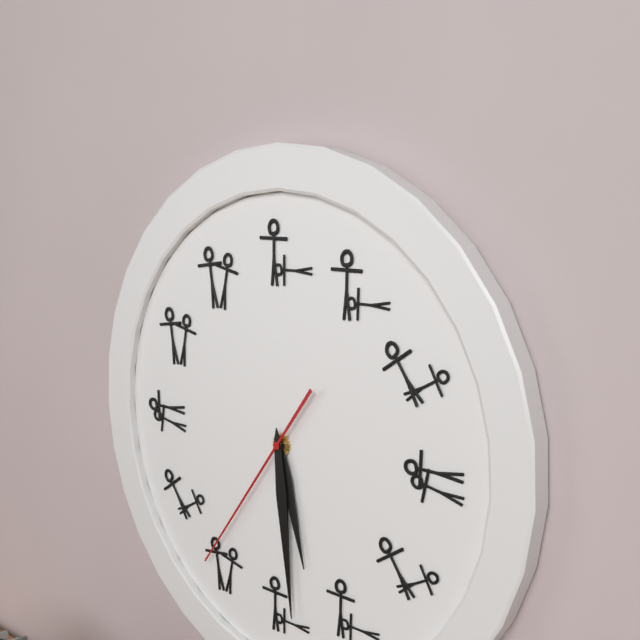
5:29:36
